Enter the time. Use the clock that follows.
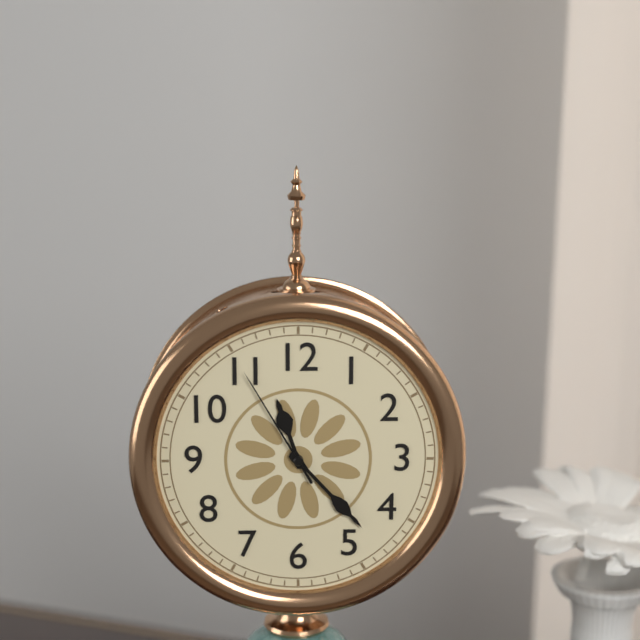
11:23:55
